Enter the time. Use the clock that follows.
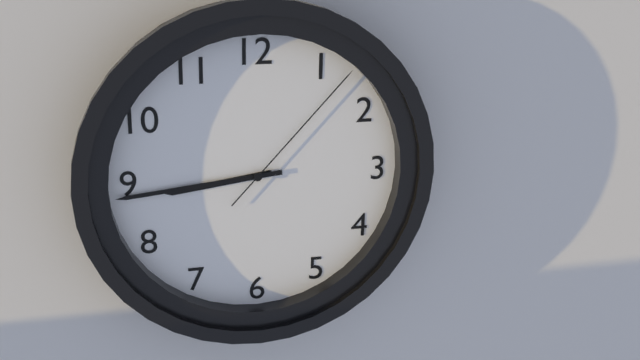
8:44:07
